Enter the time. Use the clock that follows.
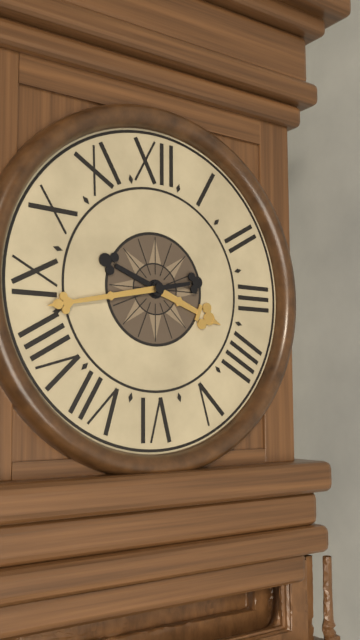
3:43
